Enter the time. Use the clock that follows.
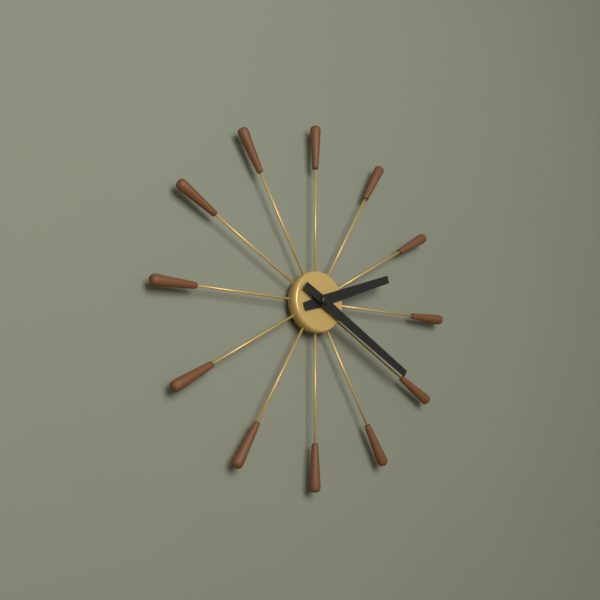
2:20
